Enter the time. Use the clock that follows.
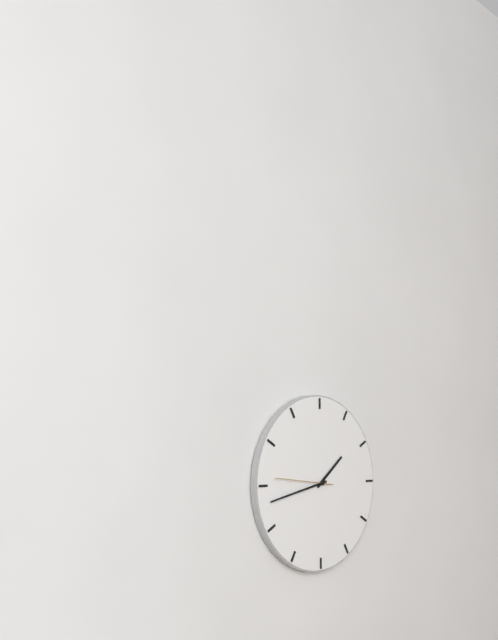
1:43:46
